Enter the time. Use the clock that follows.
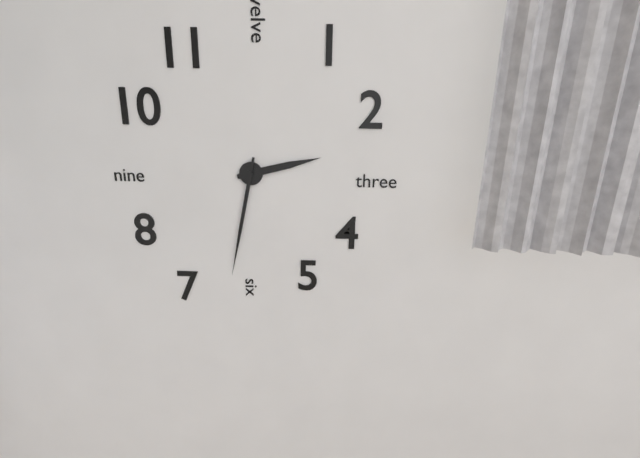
2:32
